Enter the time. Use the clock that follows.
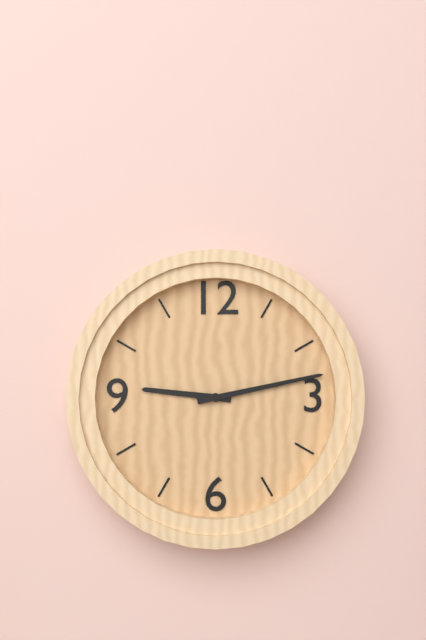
9:13
